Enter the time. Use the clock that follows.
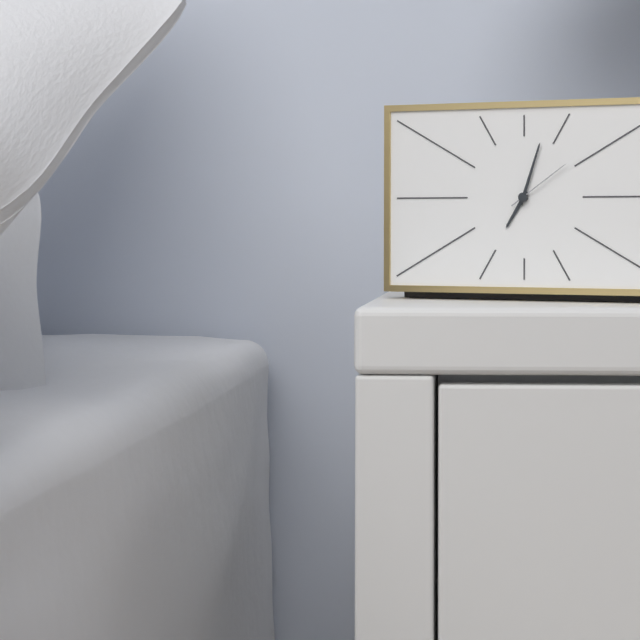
7:03:09
